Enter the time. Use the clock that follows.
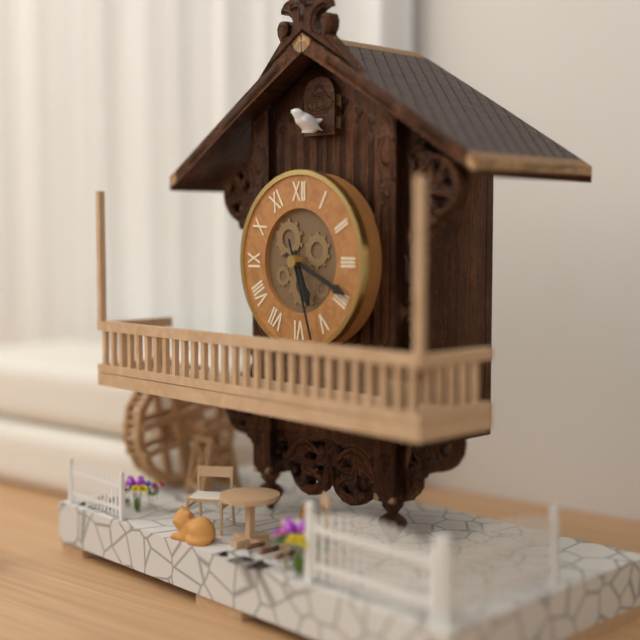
5:19:27
